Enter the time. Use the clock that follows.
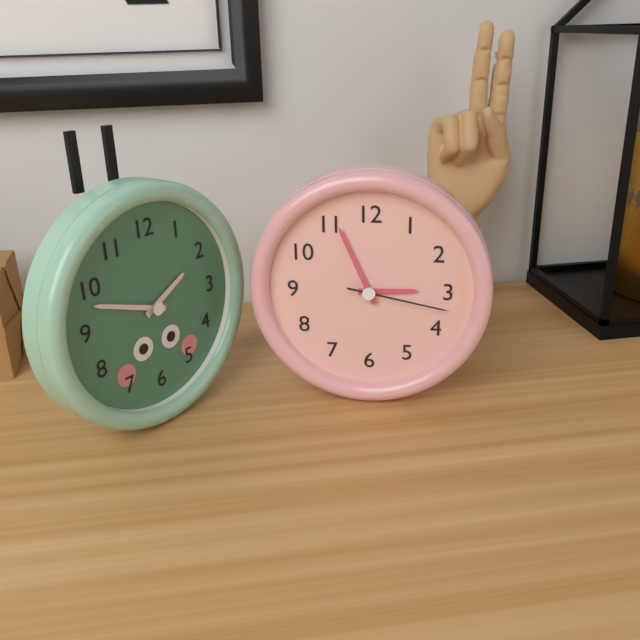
2:56:17
